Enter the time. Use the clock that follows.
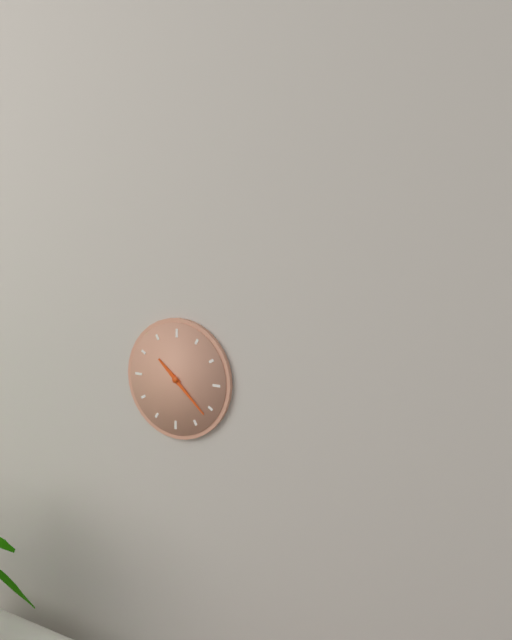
10:22
